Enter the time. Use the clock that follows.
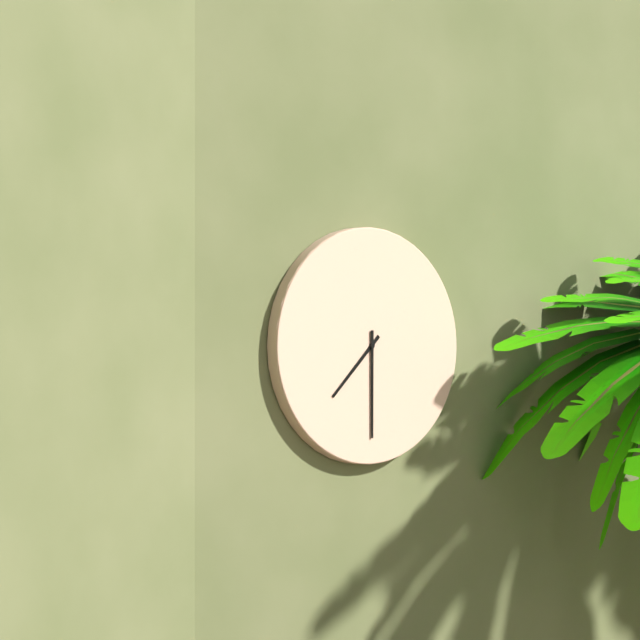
7:30
